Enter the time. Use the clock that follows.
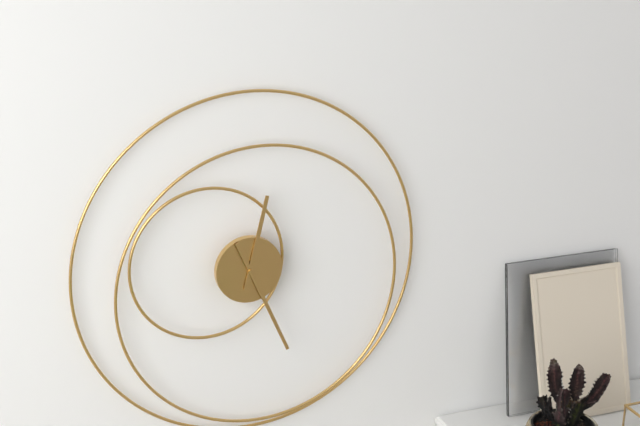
12:26
